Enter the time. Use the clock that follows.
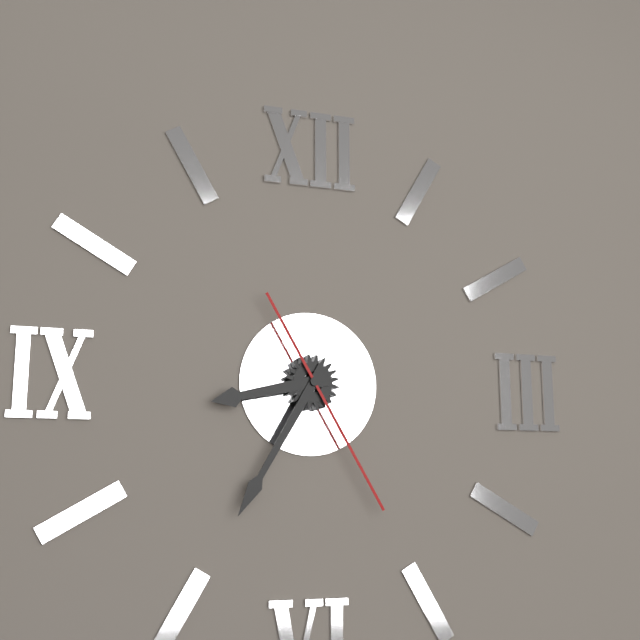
8:35:25
